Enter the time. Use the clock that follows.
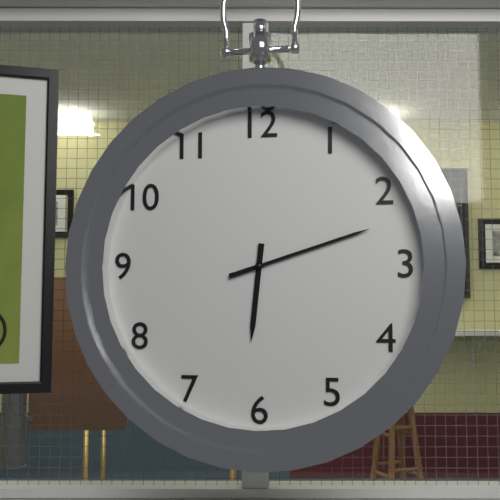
6:12
